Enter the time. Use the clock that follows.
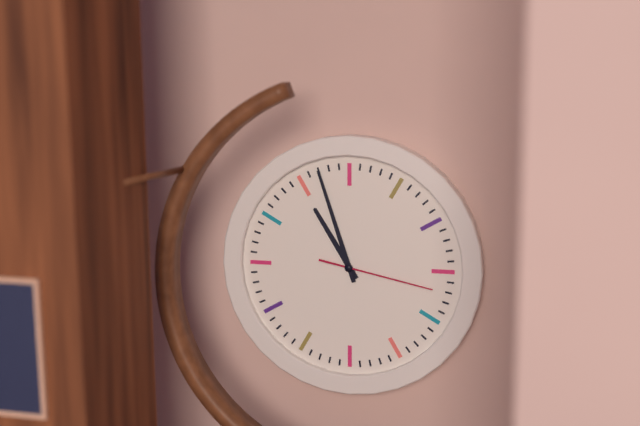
10:57:17
